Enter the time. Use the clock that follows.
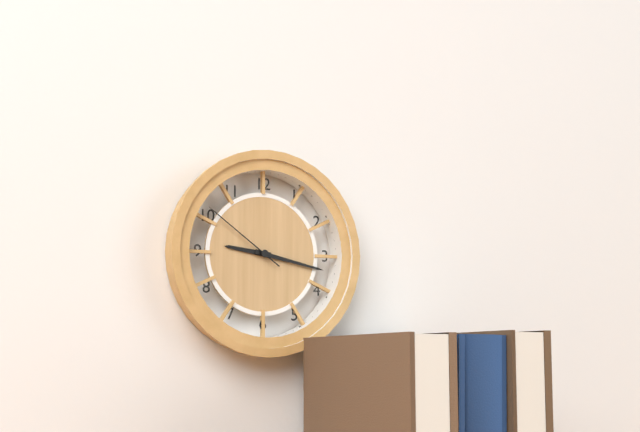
9:17:51
